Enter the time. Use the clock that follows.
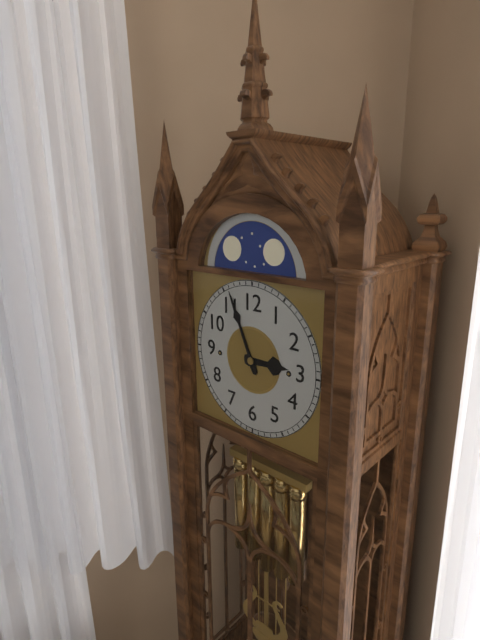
2:56
